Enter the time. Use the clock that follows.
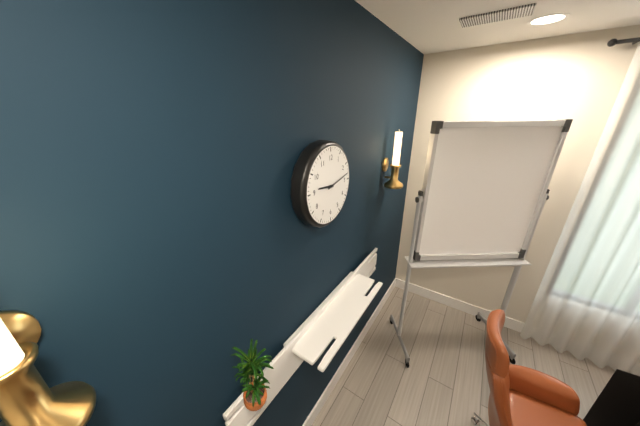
9:13
